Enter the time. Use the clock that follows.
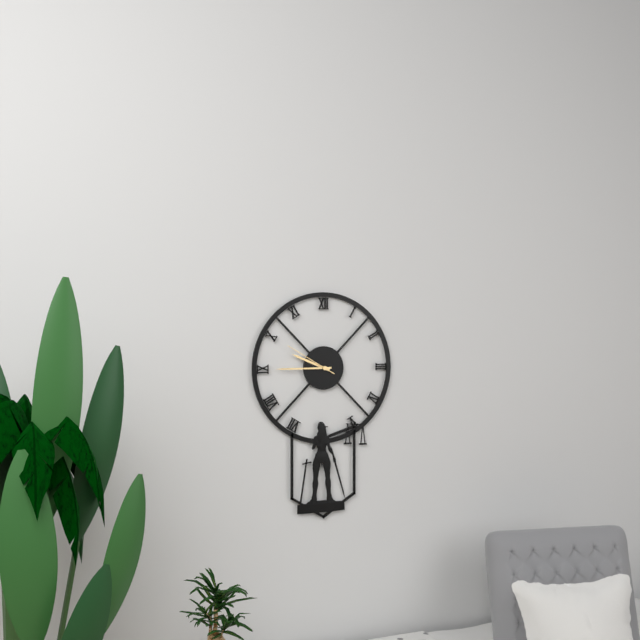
9:45:50
